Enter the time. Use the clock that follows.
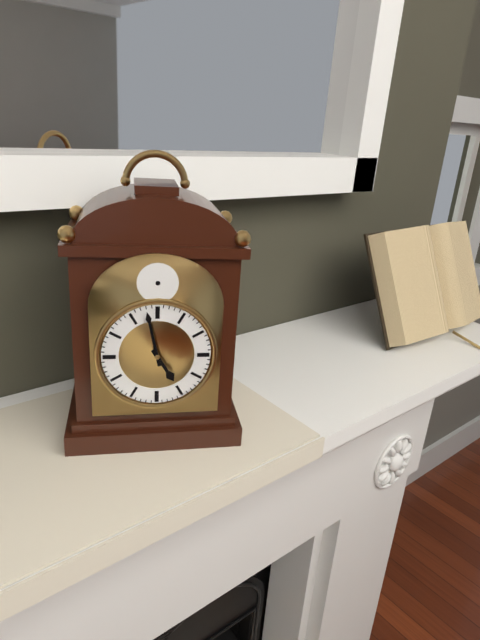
4:58
